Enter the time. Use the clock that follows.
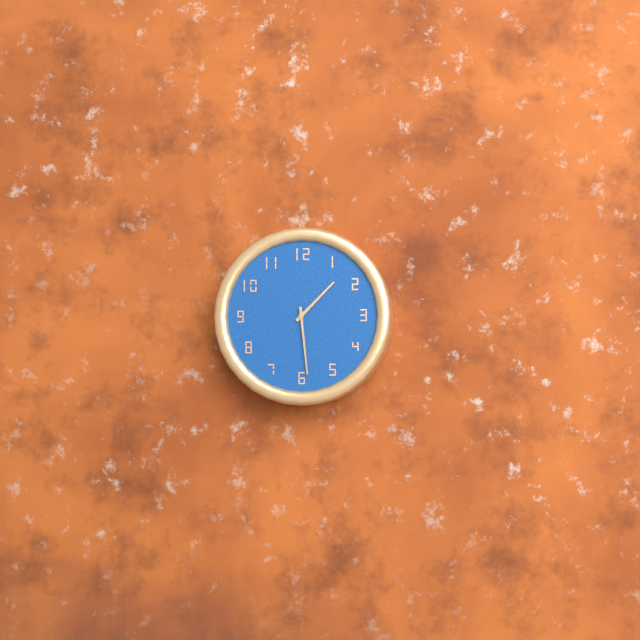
1:29
